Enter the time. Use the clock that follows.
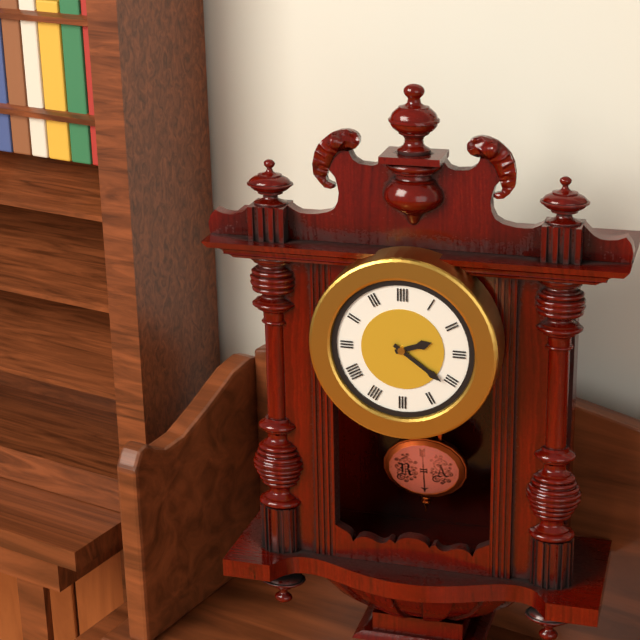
2:21
